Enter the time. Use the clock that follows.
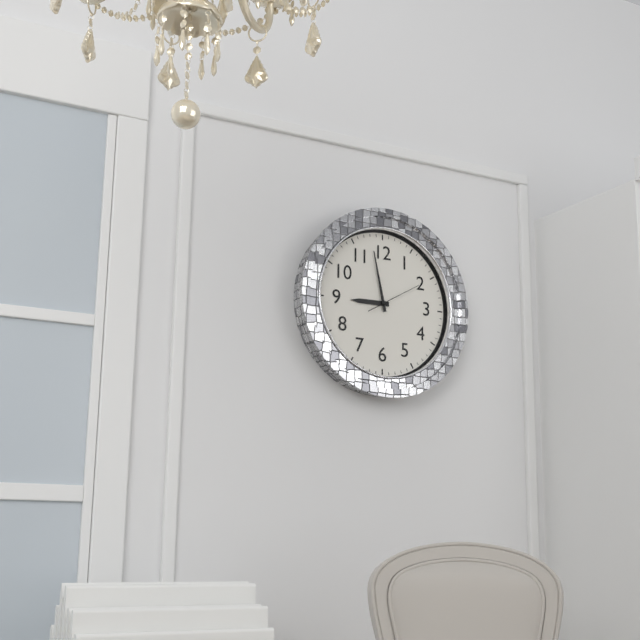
8:58
